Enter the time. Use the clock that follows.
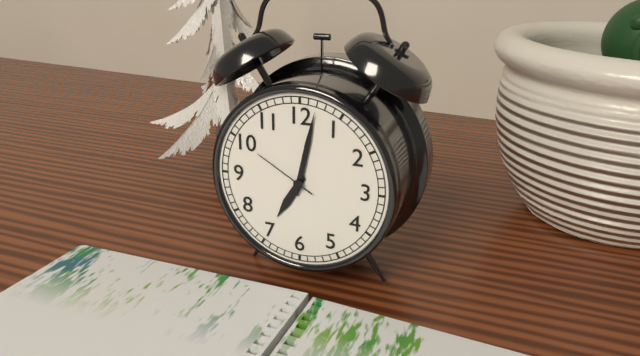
7:02:50
